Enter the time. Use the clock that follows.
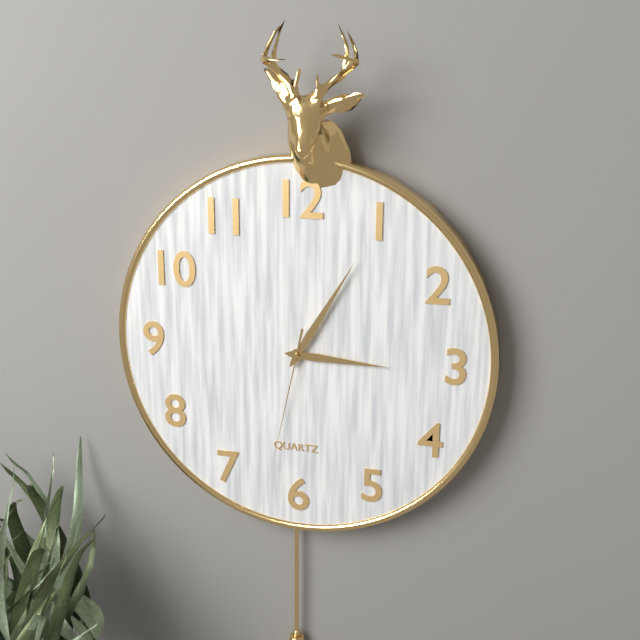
3:05:32
